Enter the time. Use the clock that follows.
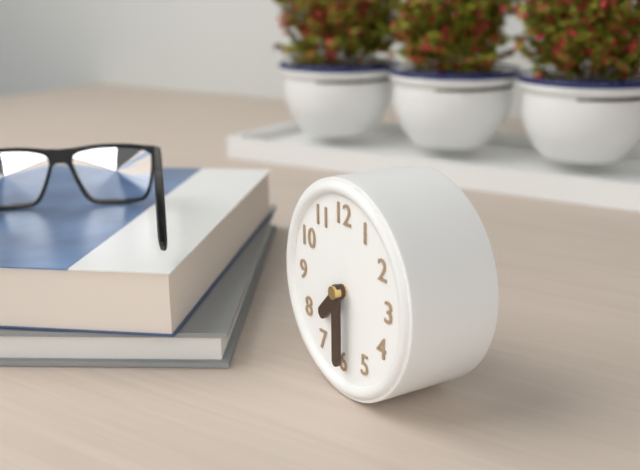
7:30
